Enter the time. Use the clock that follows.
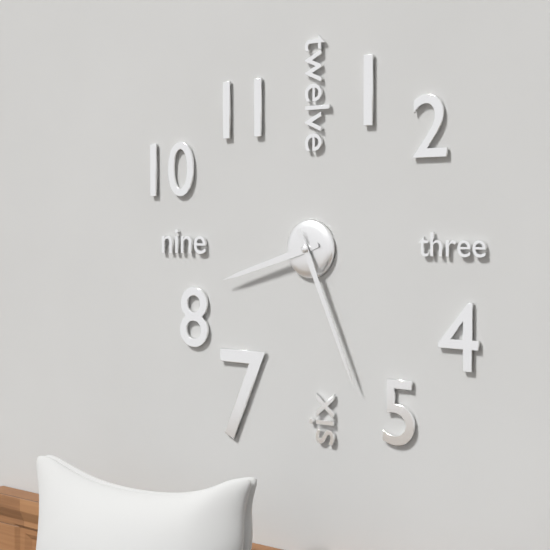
8:26
